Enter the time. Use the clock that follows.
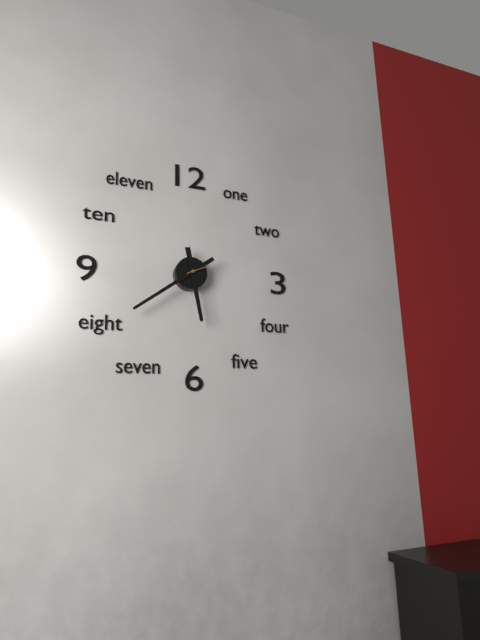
5:39
